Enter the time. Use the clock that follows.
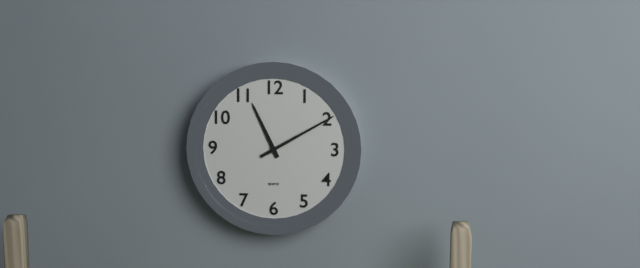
11:10
